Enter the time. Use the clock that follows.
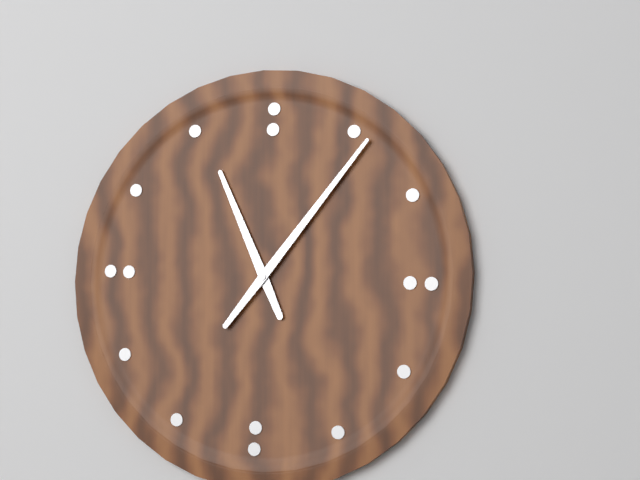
11:06
